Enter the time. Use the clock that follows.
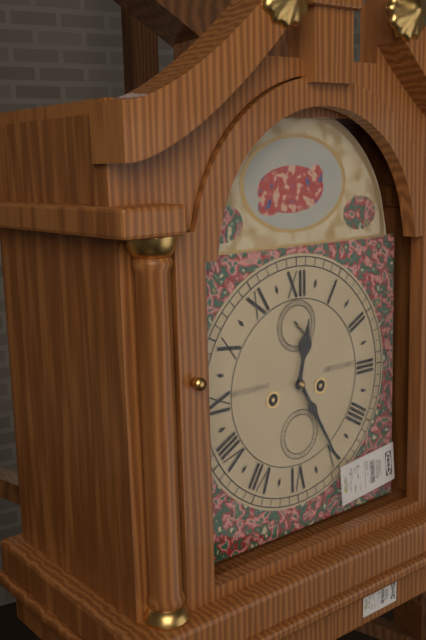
12:25
